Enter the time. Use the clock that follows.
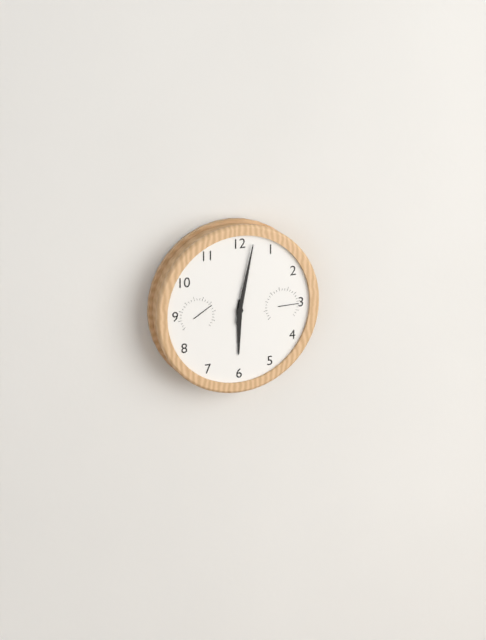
6:02
